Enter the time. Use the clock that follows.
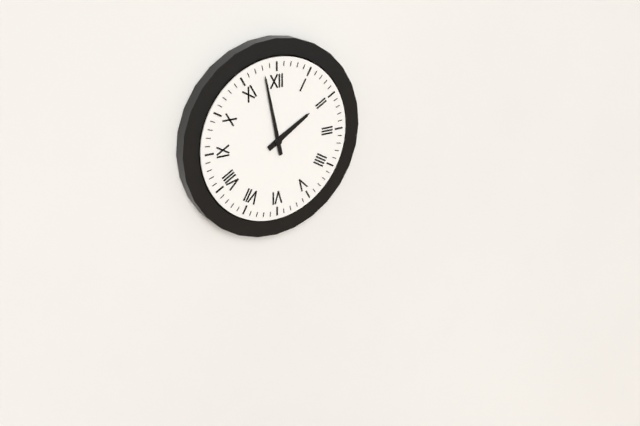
1:58
